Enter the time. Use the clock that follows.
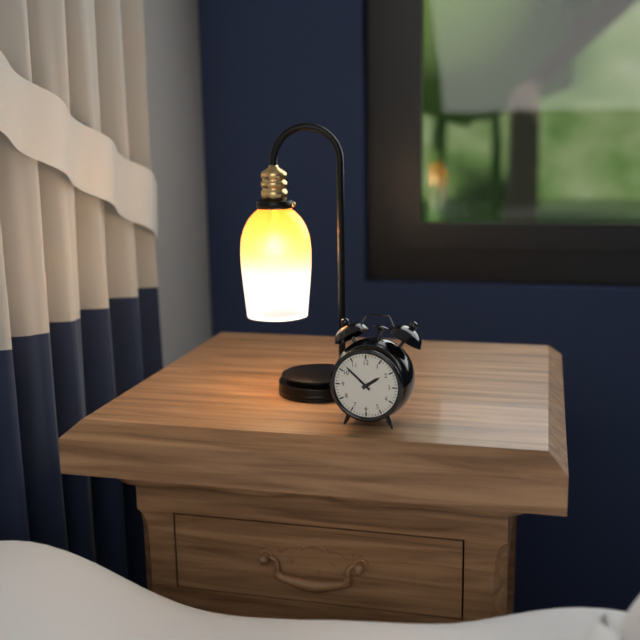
1:52
